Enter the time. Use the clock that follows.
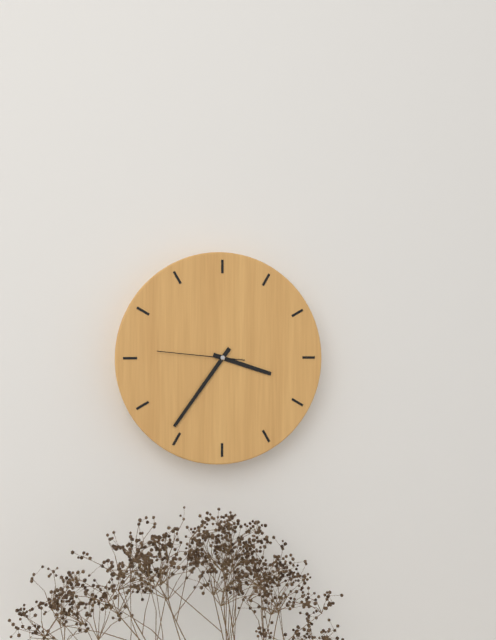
3:36:46
